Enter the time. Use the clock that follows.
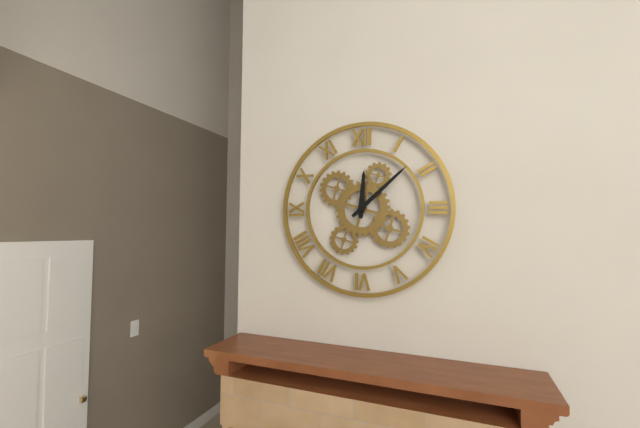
12:08
